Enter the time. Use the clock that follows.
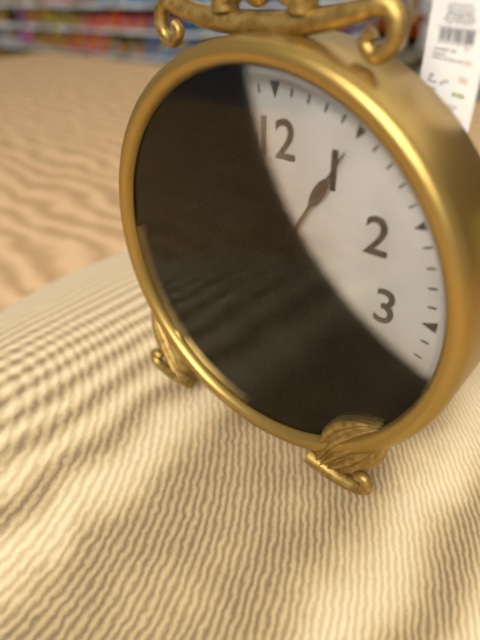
8:05
